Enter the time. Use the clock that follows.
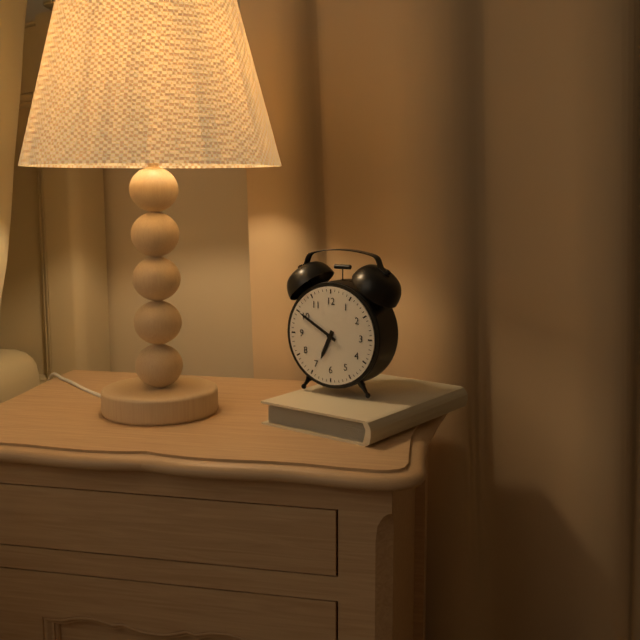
6:50
